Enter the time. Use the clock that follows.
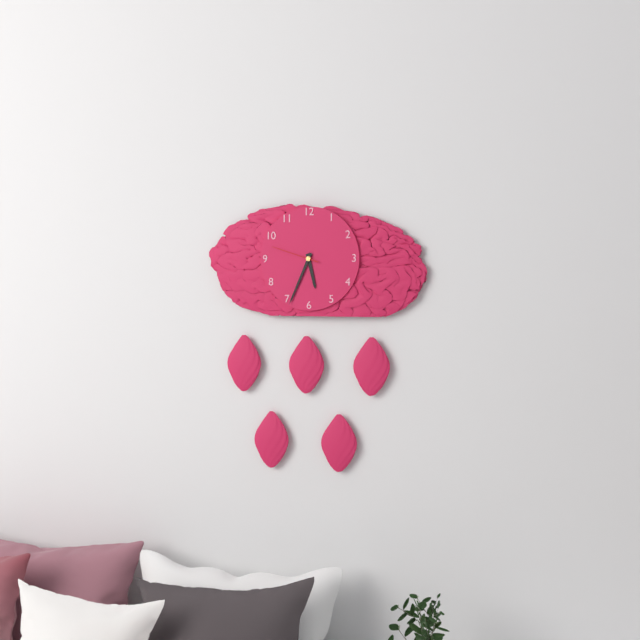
5:34
